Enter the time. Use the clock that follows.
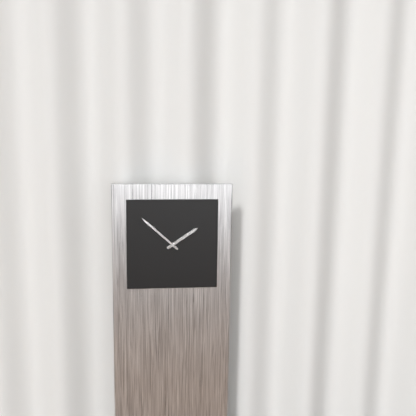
1:52
